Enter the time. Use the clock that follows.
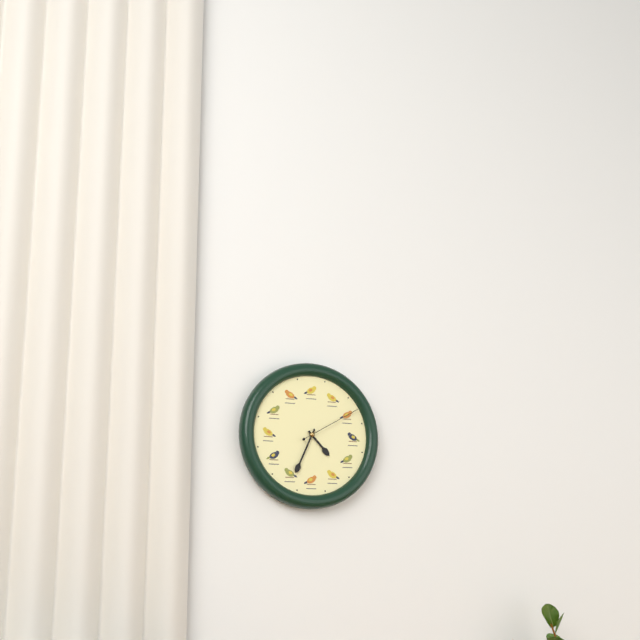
4:34:10
